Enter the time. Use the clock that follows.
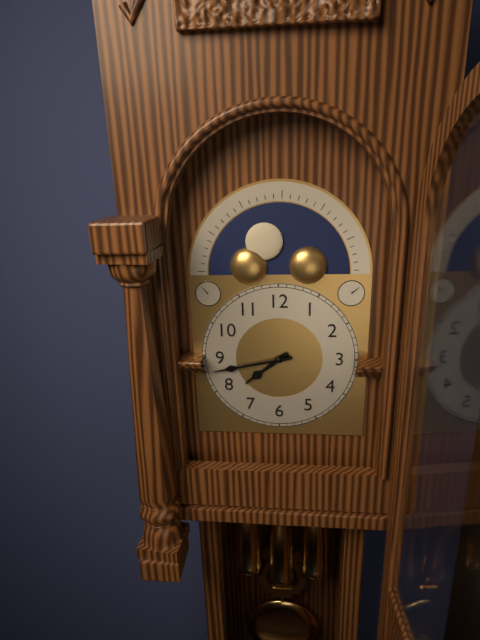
7:43
